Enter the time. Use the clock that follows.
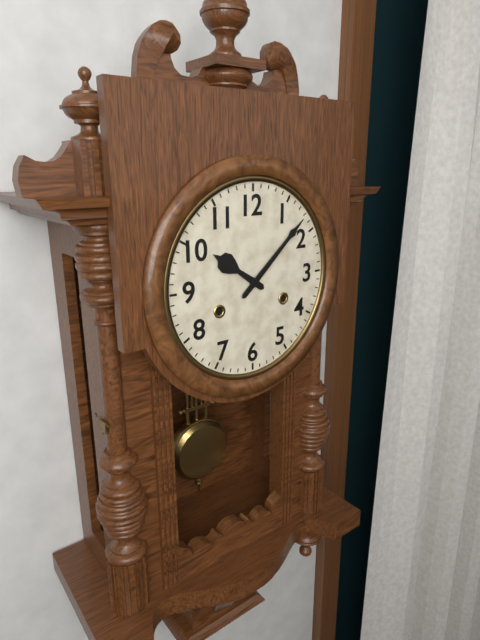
10:08
